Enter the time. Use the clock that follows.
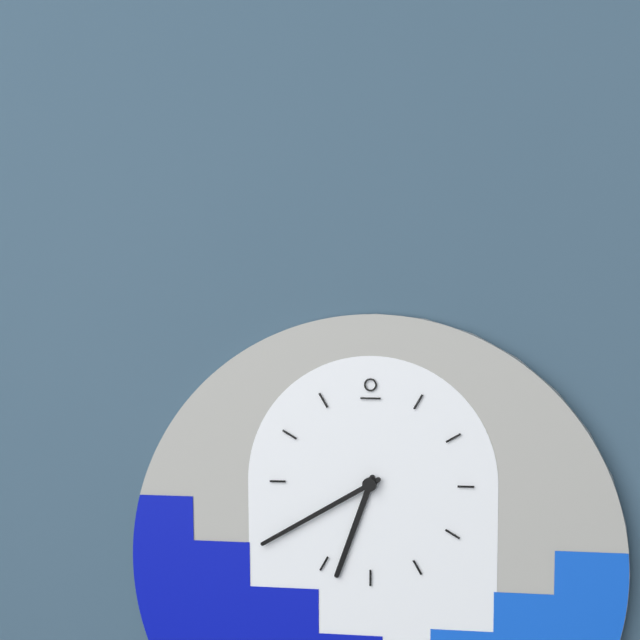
6:40
